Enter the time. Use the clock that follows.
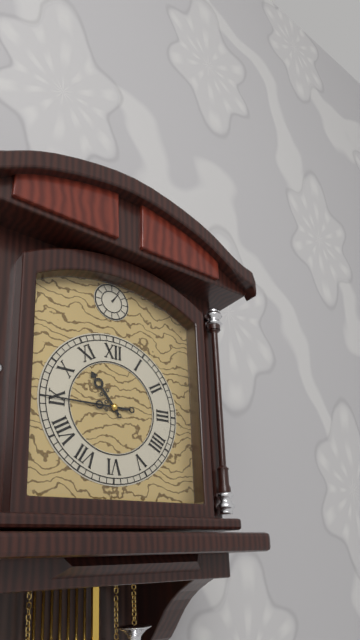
10:45
